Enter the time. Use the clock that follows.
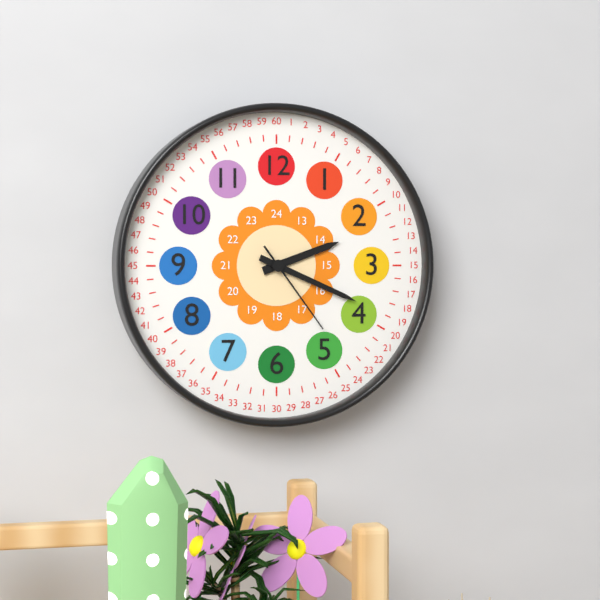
2:19:24
